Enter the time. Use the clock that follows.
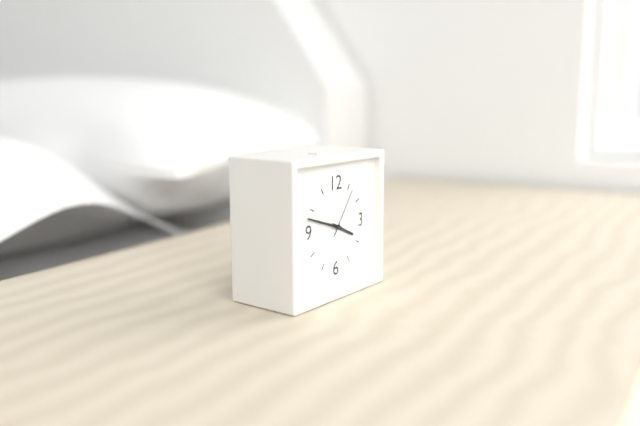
3:48
